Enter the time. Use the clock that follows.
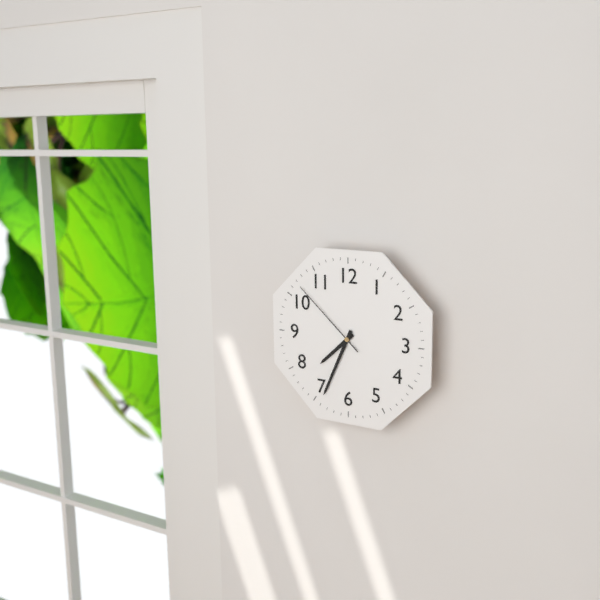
7:34:52
